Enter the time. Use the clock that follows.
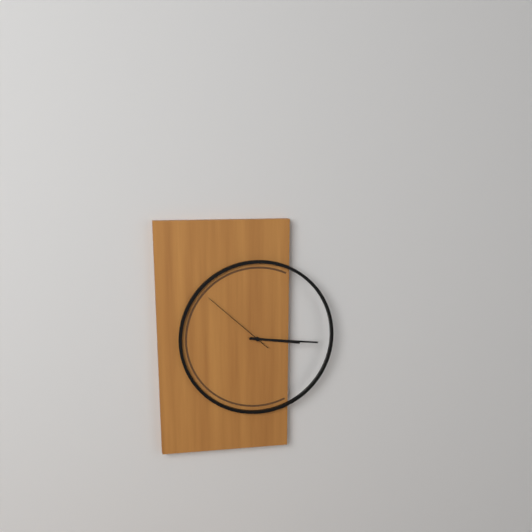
3:16:52
